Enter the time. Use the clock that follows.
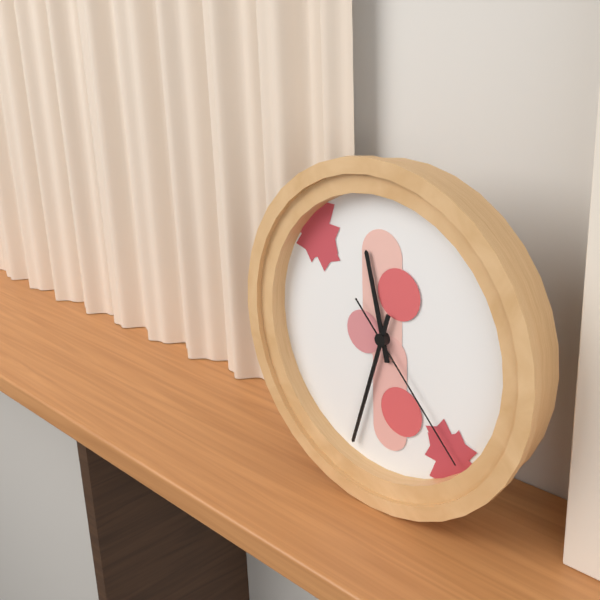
11:33:23
